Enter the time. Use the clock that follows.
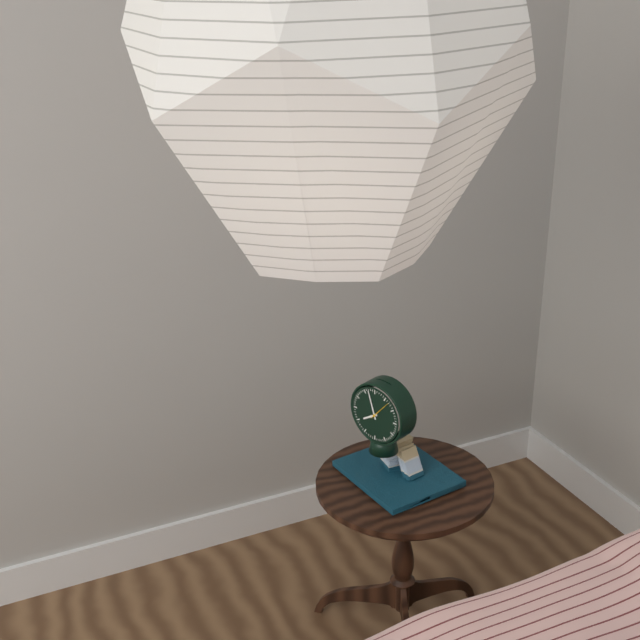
7:57
